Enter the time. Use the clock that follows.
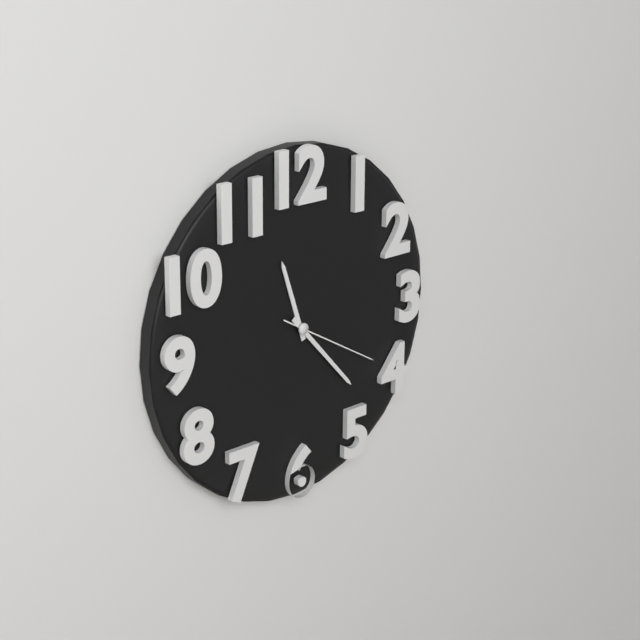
11:23:20
